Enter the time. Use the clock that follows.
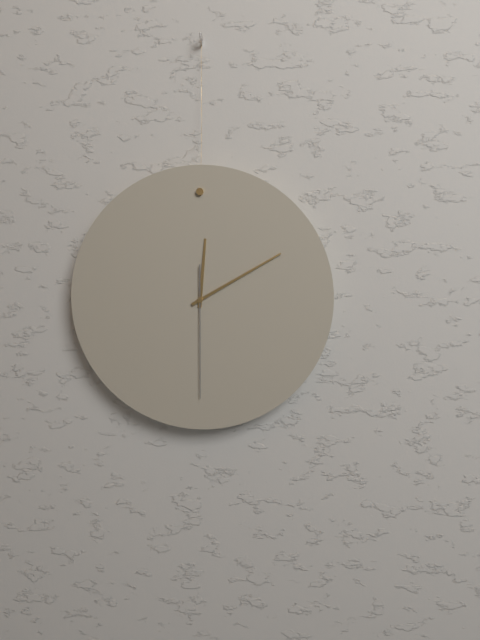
12:10:30
